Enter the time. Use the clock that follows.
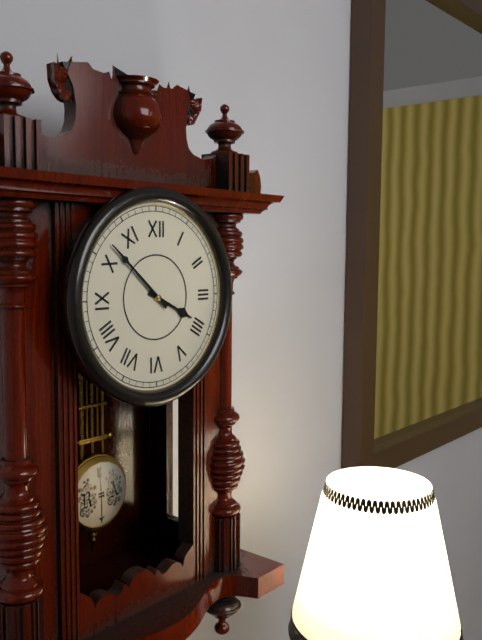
3:52
